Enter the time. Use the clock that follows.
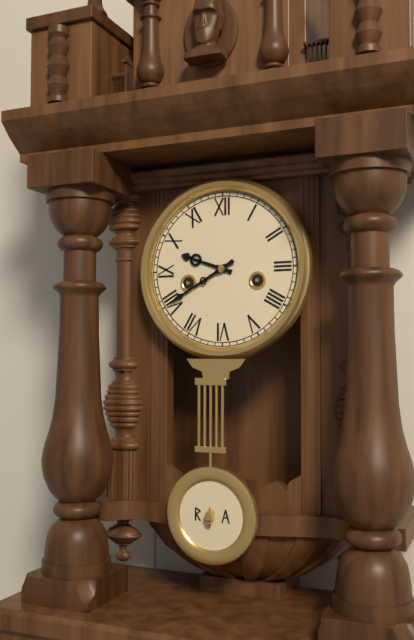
9:40
